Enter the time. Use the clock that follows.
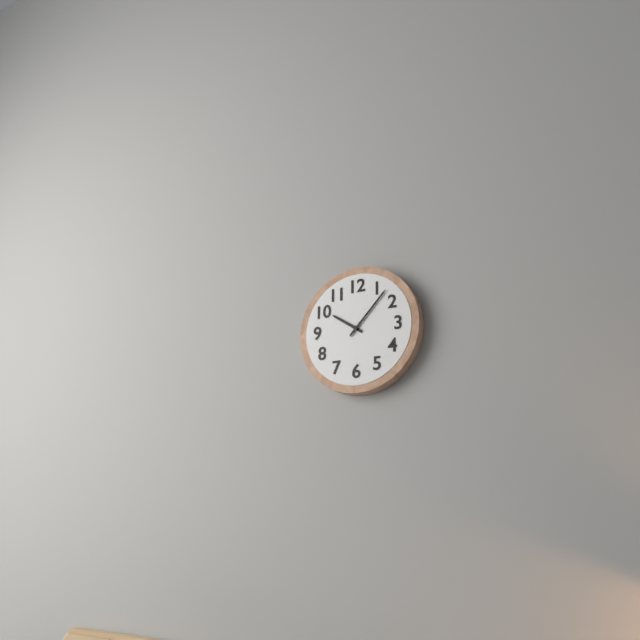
10:07
